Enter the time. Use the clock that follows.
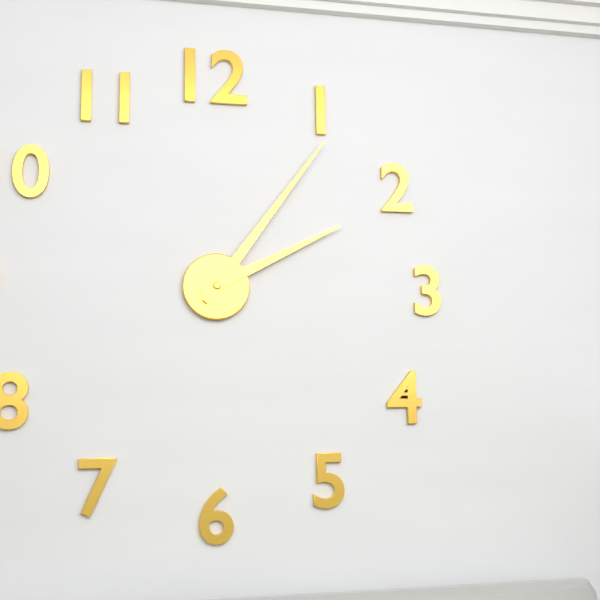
2:06
